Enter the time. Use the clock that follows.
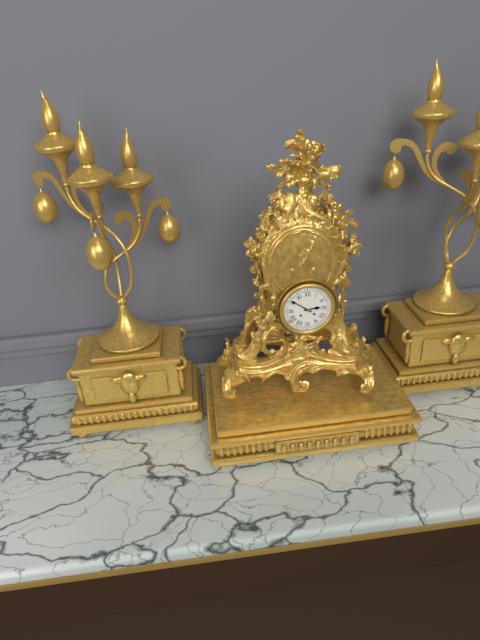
2:51
